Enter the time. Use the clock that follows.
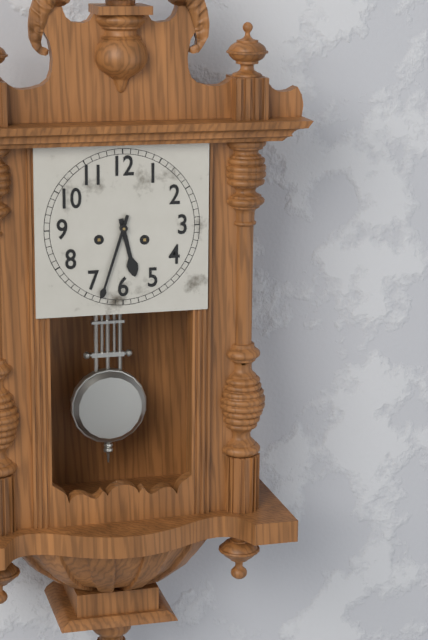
5:33
